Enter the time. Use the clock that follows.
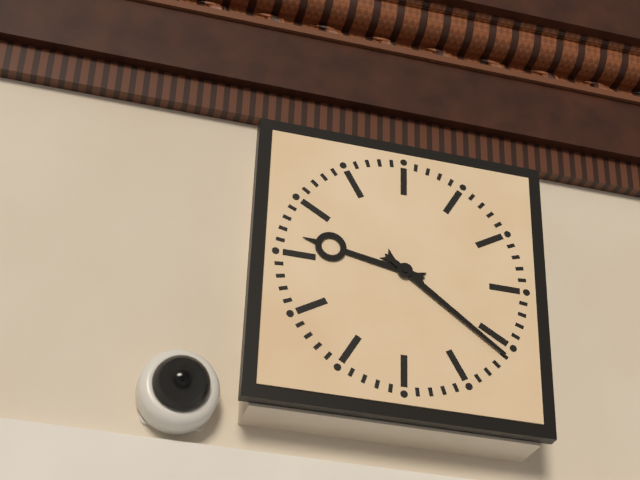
9:21
